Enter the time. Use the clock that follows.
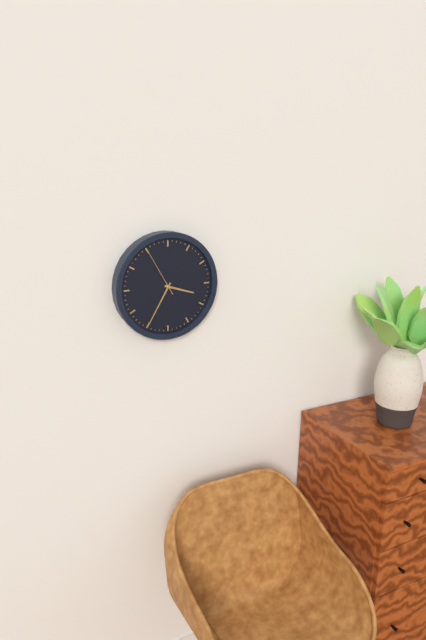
3:35
